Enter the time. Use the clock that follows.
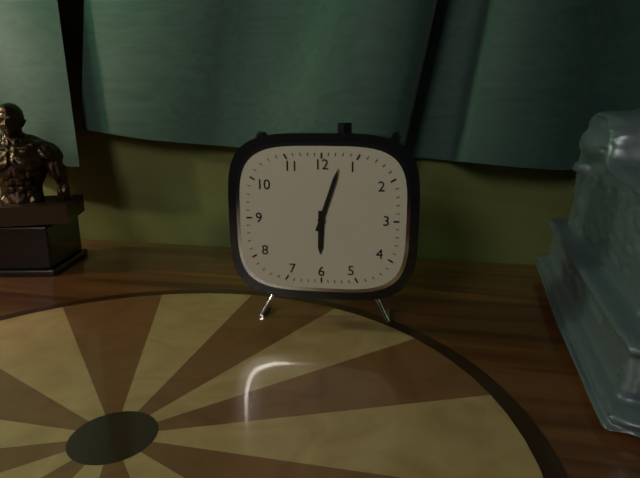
6:03
